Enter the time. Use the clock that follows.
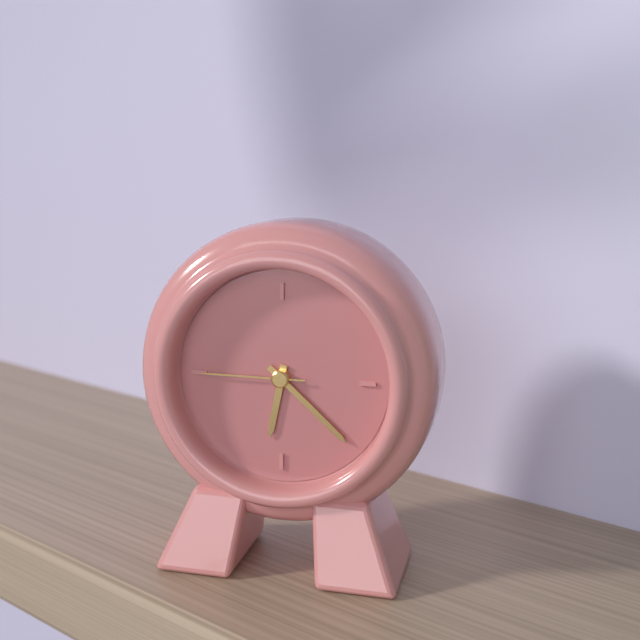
6:22:45
